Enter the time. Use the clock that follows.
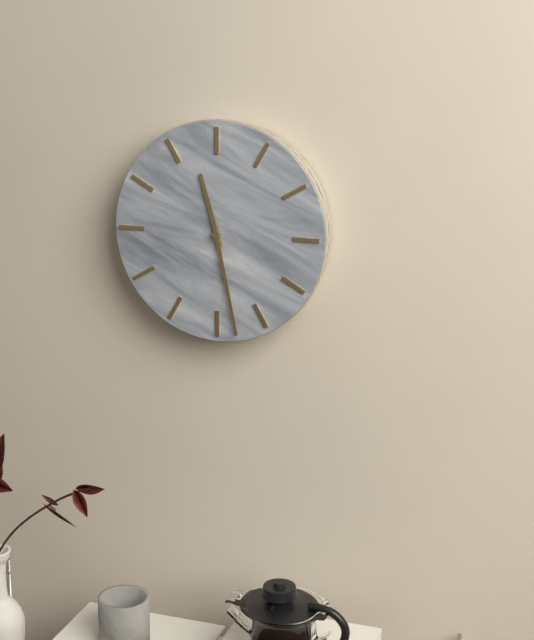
11:28
